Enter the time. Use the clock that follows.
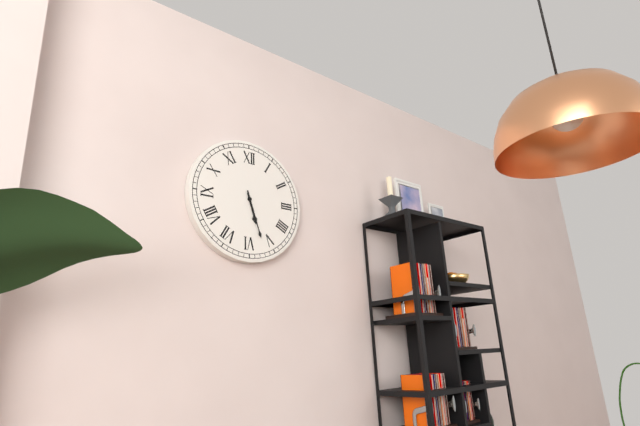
5:27
